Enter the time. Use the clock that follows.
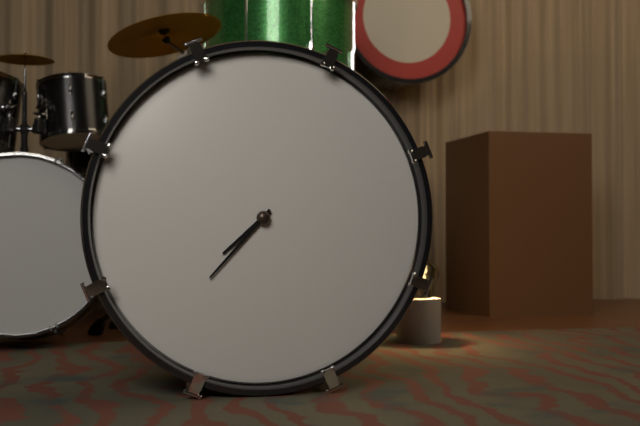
7:37
